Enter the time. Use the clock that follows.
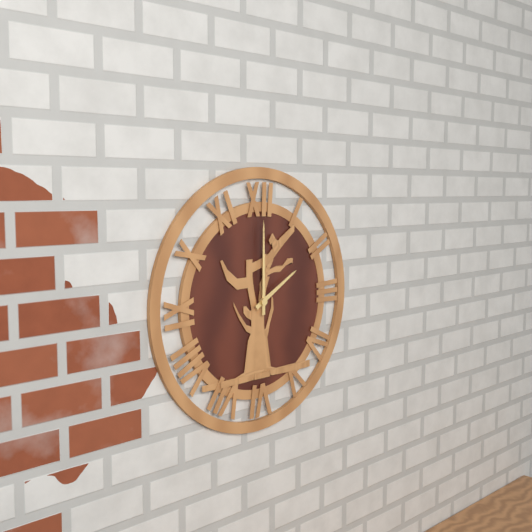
2:00
